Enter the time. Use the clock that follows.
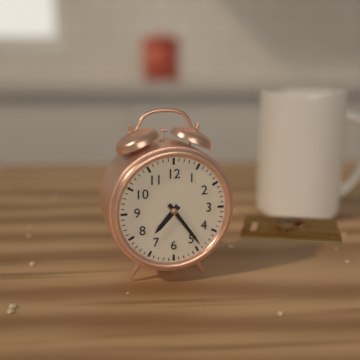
7:24
